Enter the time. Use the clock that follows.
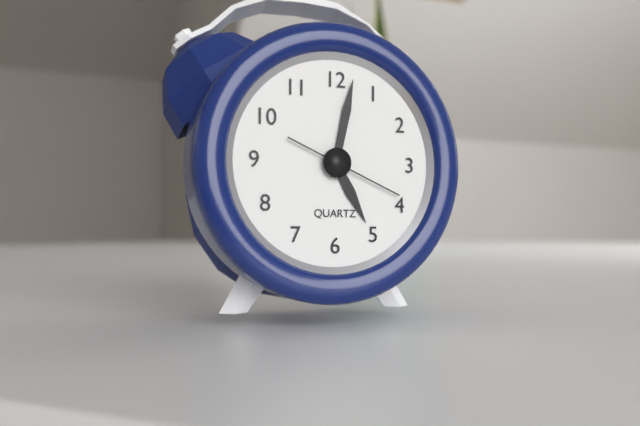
5:02:19
